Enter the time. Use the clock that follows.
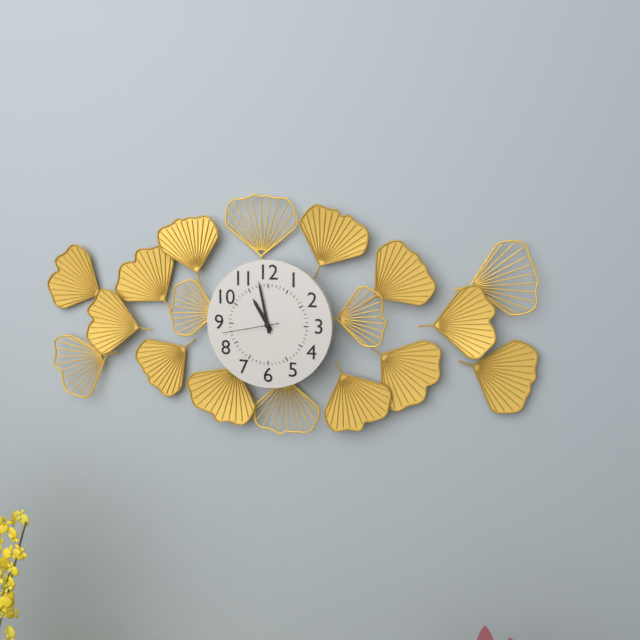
10:58:43
